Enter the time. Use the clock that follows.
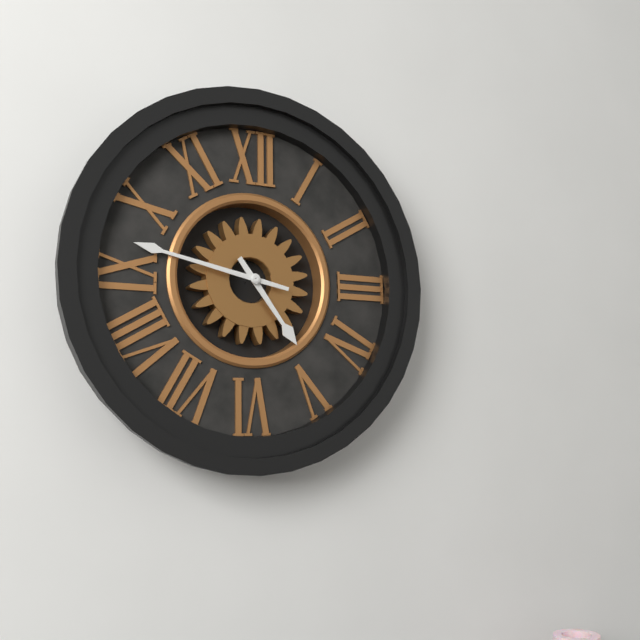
4:47
